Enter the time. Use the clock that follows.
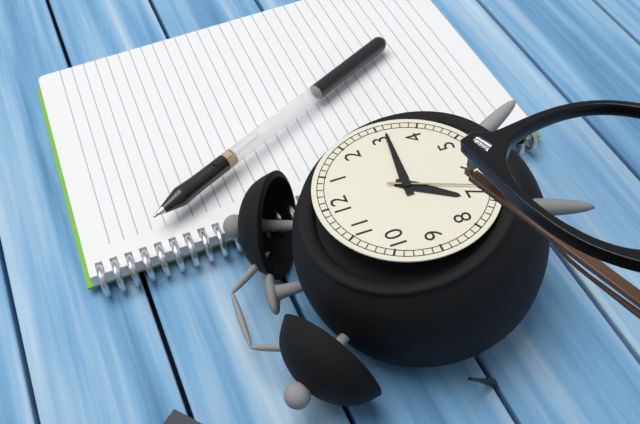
7:16:34
